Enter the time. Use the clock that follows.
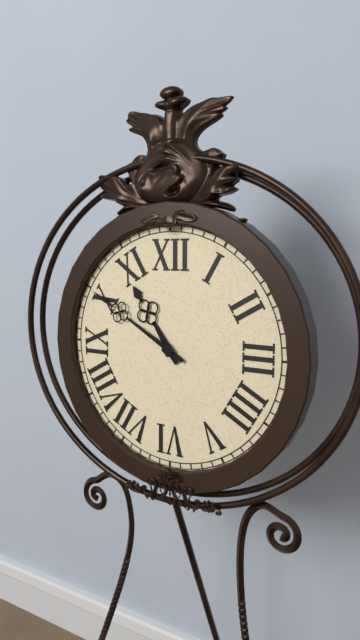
10:50
